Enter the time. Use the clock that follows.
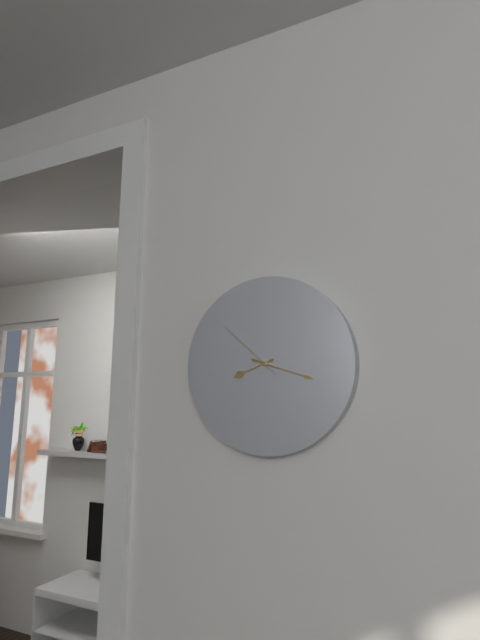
8:18:52
